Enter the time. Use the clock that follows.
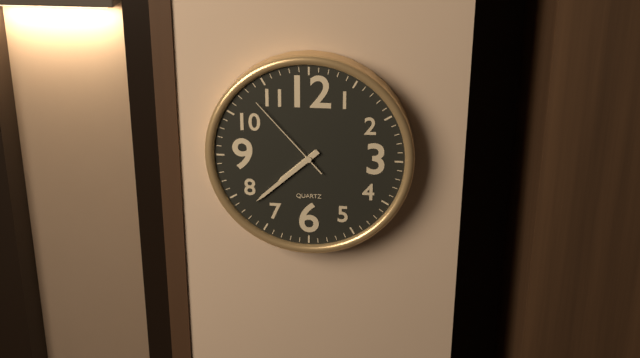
7:38:53
